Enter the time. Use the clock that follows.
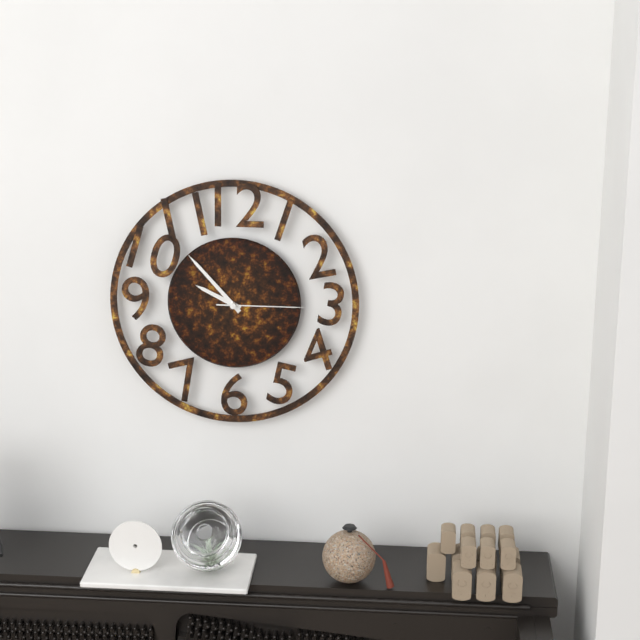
9:53:15
